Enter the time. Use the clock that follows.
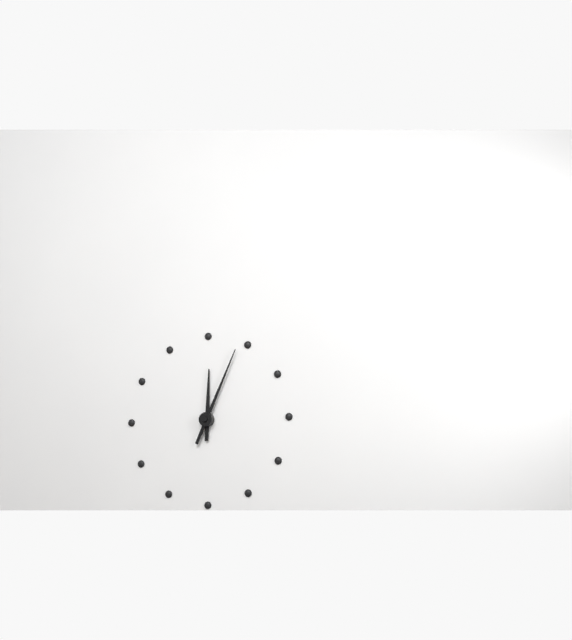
12:04
